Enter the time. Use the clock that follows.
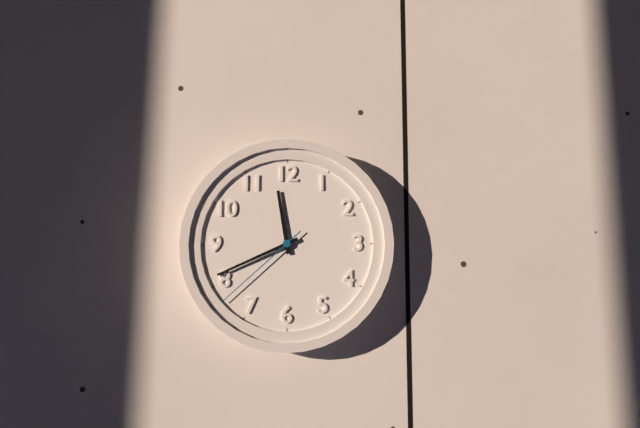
11:41:38
